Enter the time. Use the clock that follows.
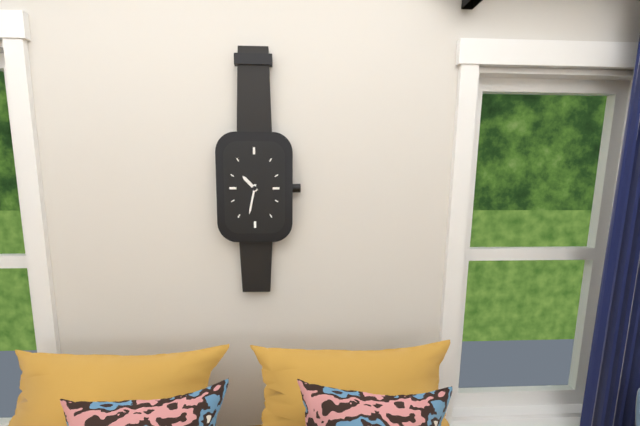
10:32
